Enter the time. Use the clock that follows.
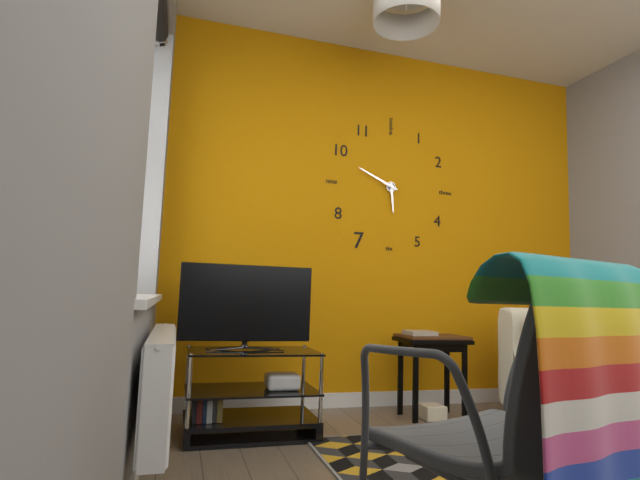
5:49
